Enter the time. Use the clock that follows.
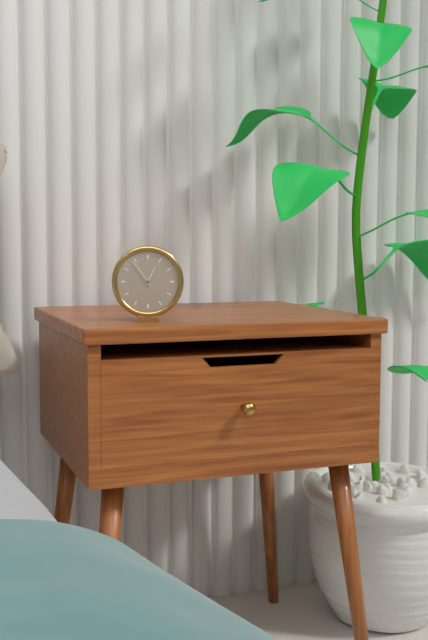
12:54
